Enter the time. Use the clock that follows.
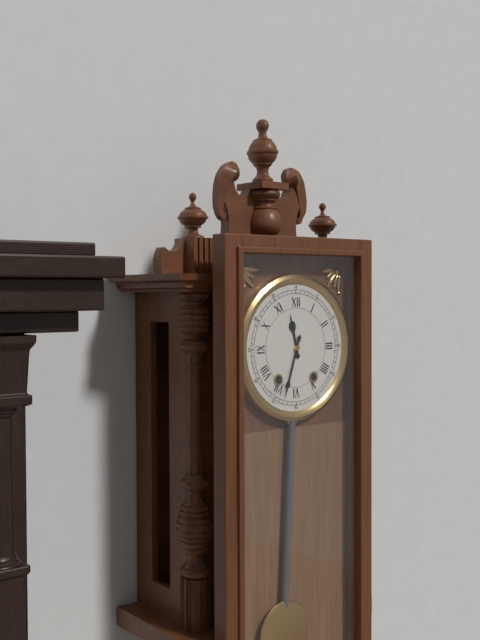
11:33
